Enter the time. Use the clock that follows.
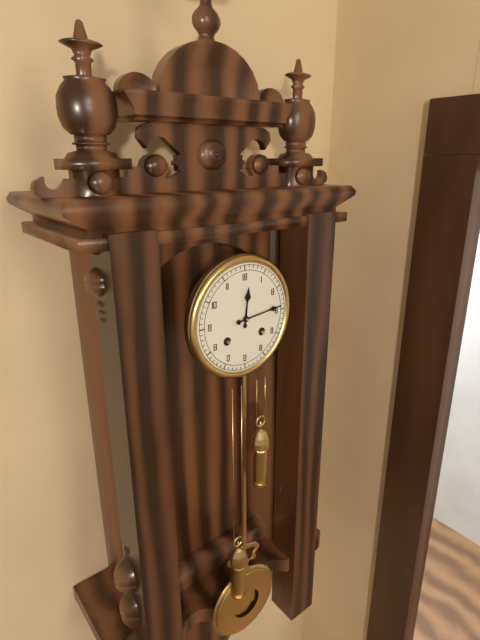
12:14
